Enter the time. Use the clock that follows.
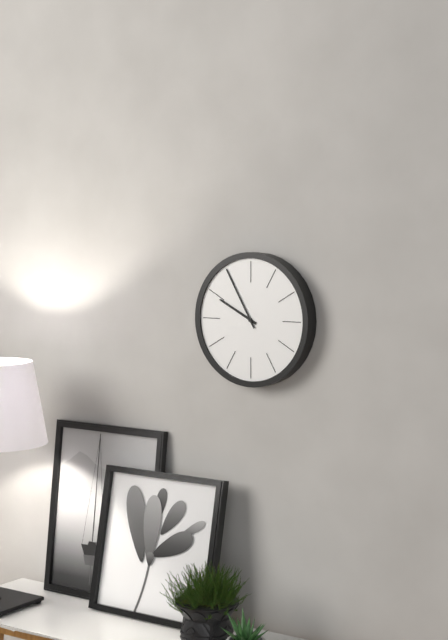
9:55
